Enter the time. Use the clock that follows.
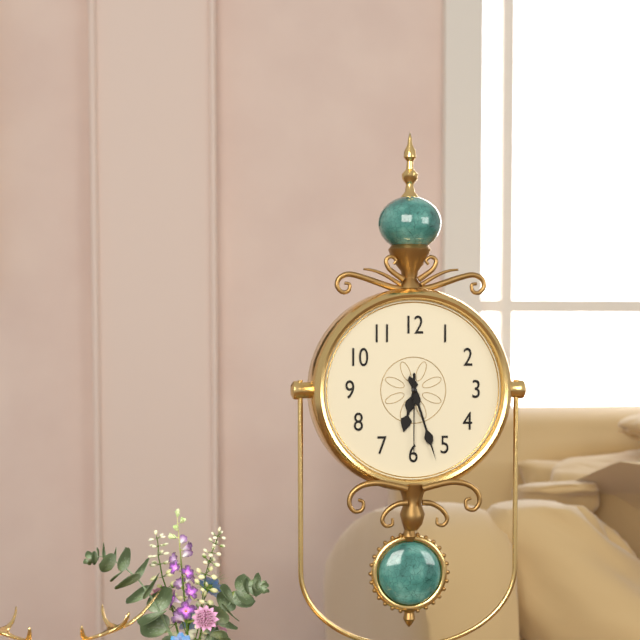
6:27:30
